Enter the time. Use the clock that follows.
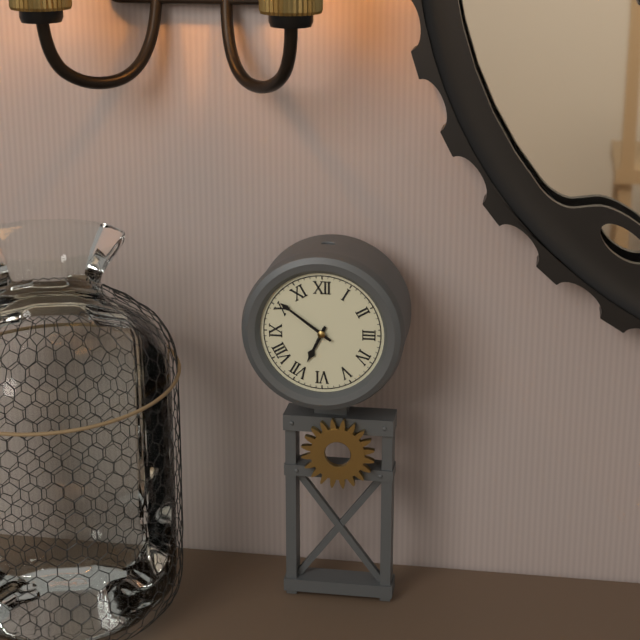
6:51
